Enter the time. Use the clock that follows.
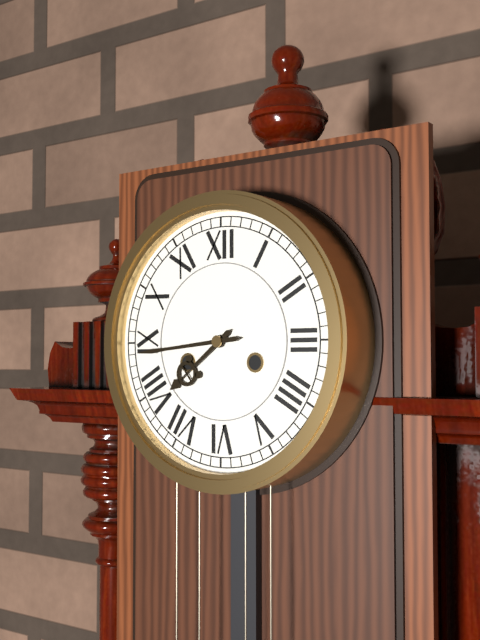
7:44
